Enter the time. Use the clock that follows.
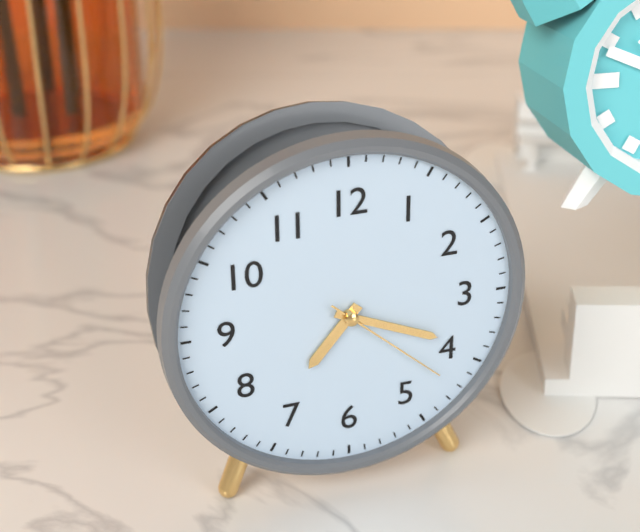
7:19:22
